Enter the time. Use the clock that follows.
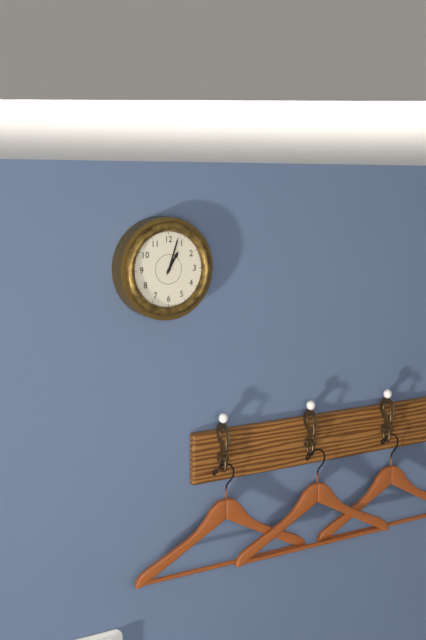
1:03
